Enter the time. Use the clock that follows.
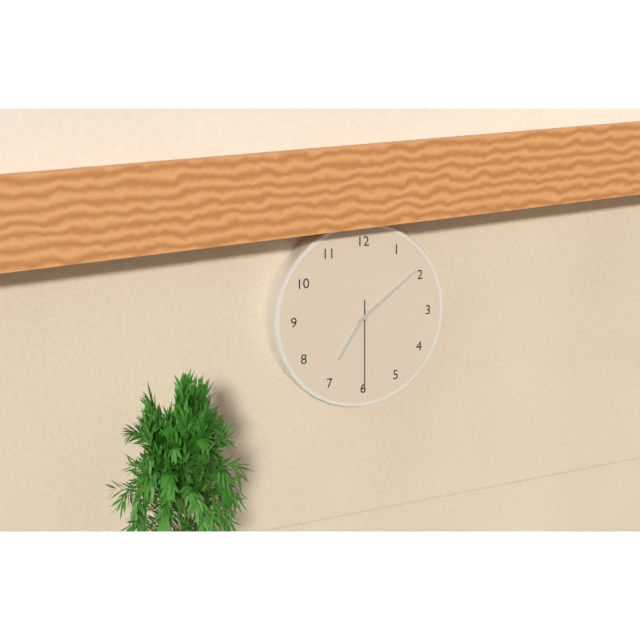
7:09:30
